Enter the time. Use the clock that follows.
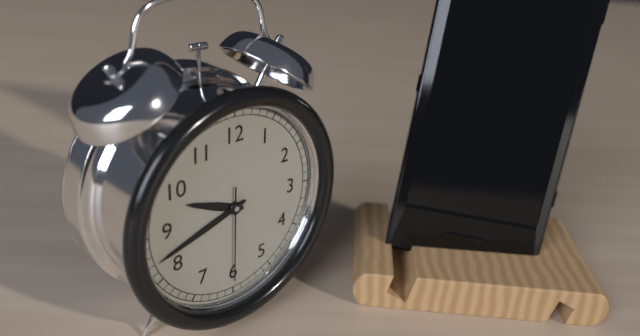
9:42:30
